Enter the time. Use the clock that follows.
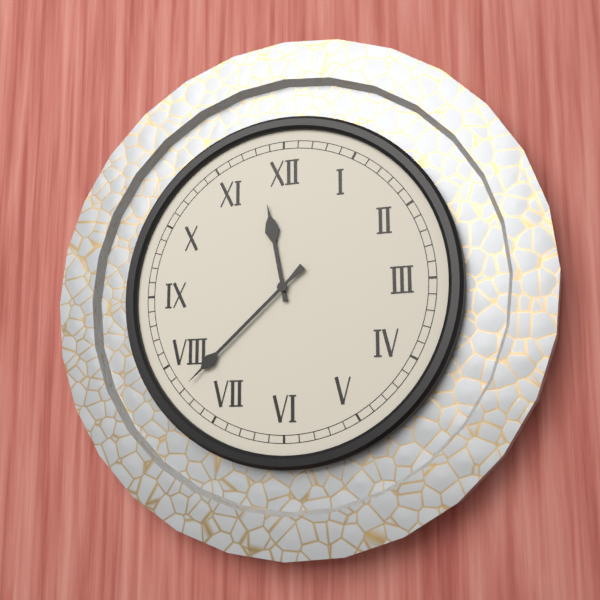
11:38
